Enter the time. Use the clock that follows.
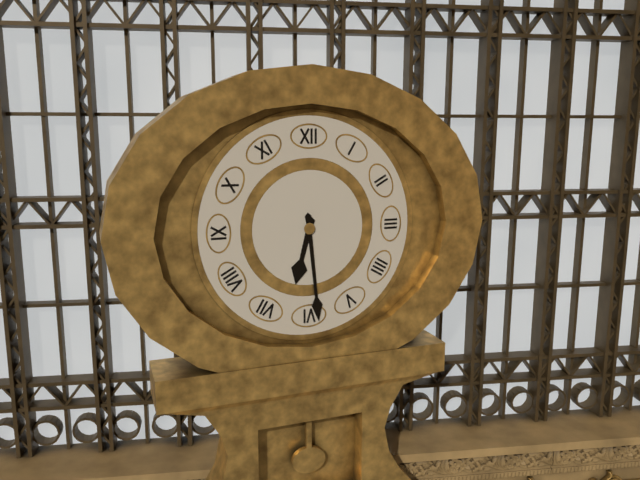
6:29
